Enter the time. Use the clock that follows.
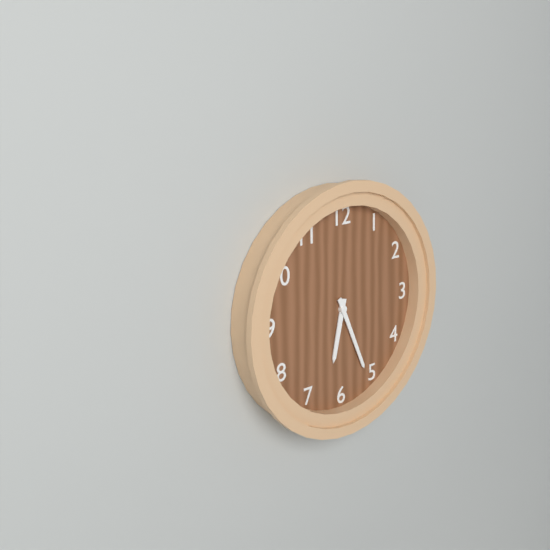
6:26
